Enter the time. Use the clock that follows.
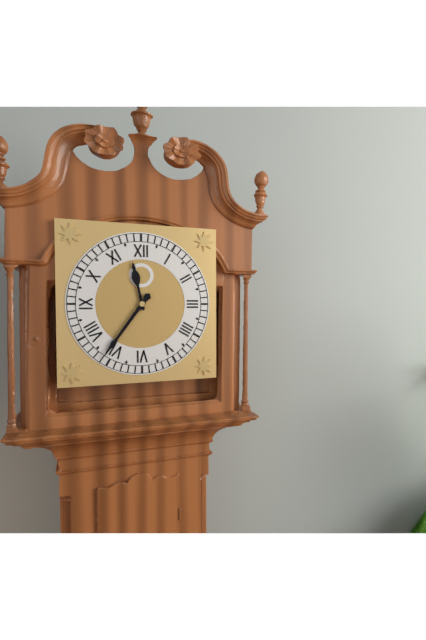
11:36
